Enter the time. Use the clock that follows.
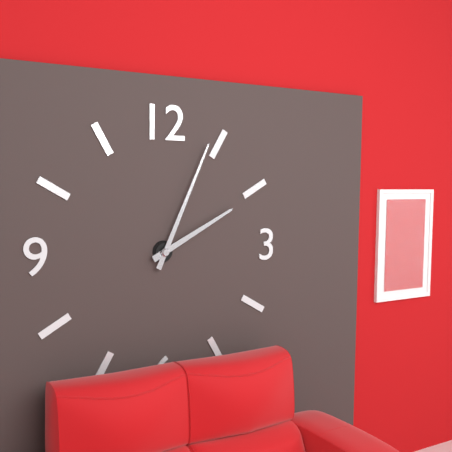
2:04
